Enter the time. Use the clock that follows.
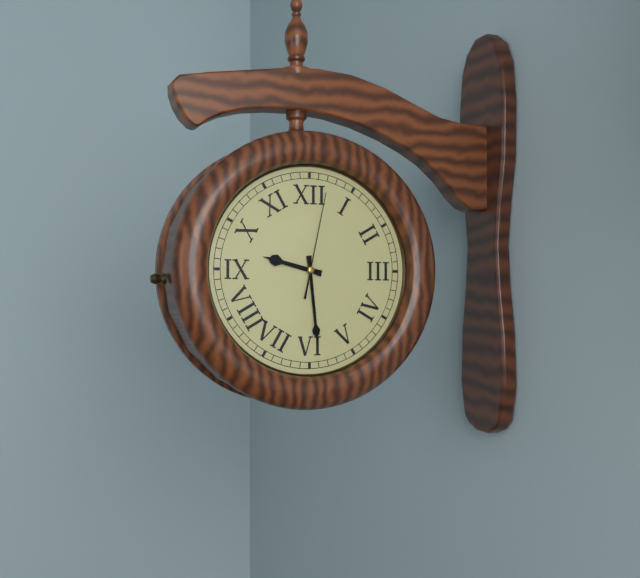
9:29:02
